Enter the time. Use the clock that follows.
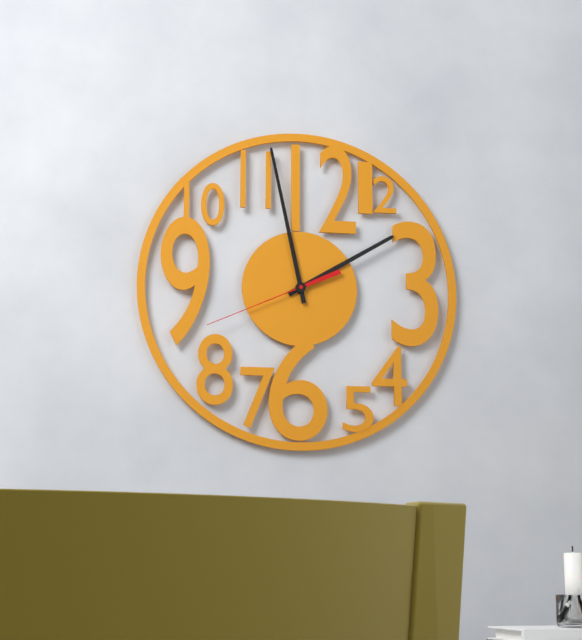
1:58:41
